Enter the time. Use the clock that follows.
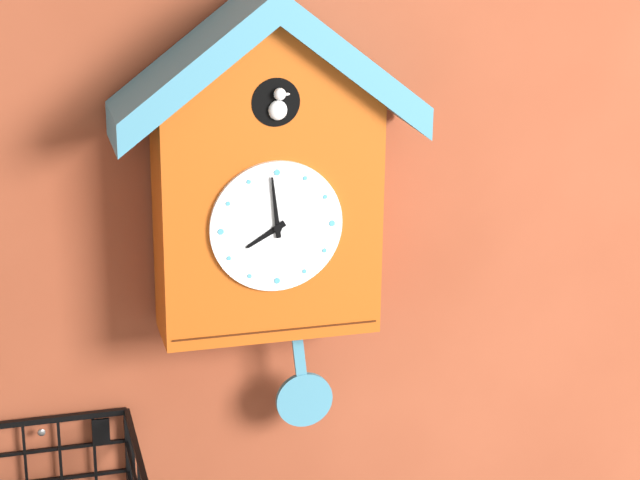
7:59
